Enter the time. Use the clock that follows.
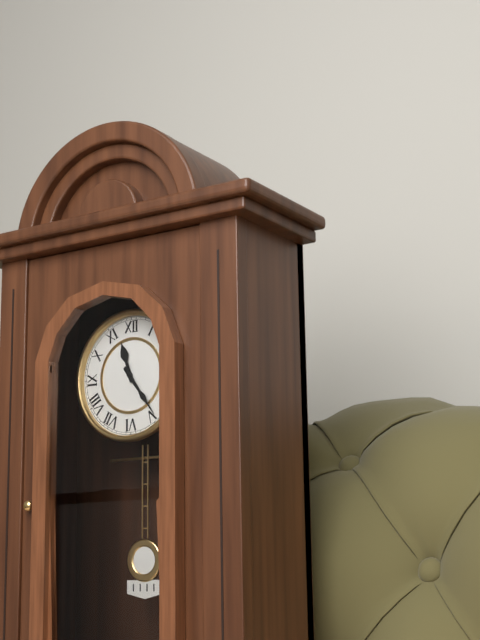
11:24
